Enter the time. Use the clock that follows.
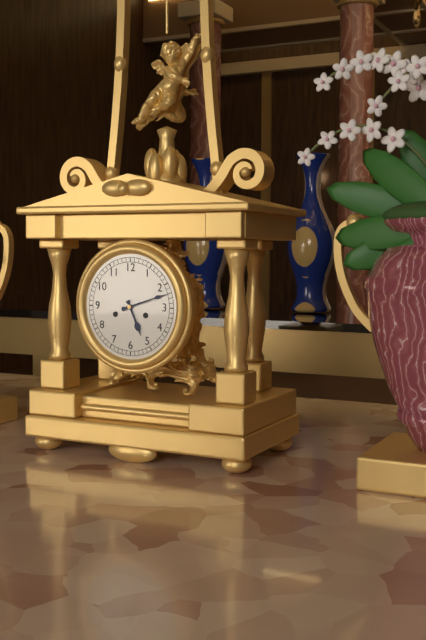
5:12
